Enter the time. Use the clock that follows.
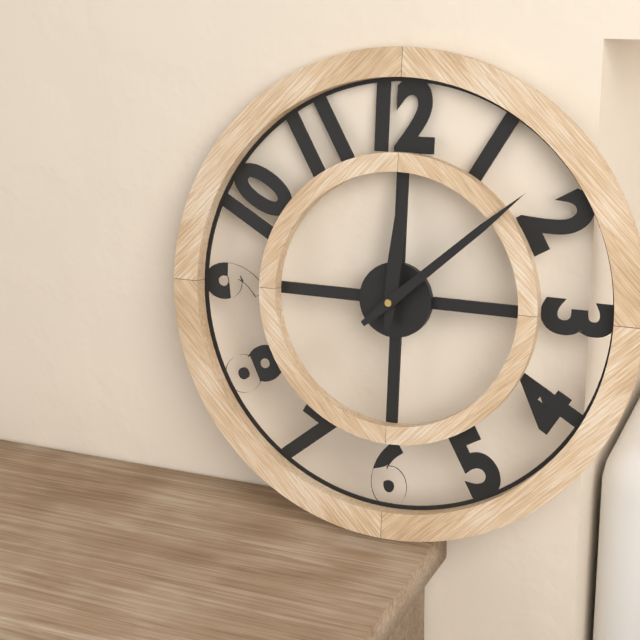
12:08
